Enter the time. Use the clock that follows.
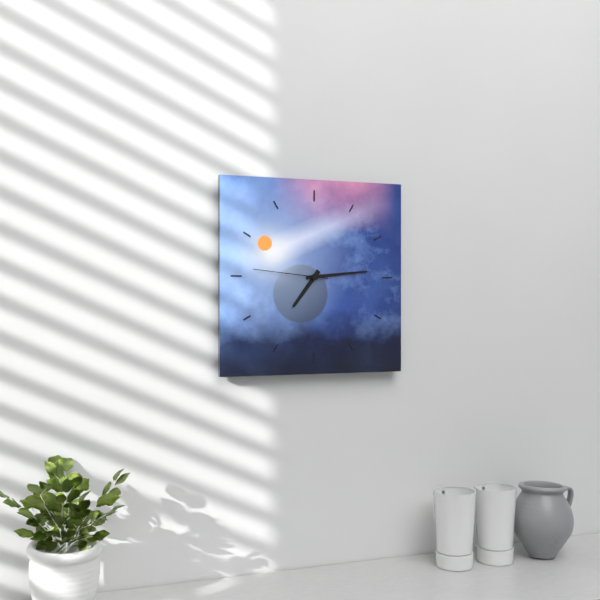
7:14:46
